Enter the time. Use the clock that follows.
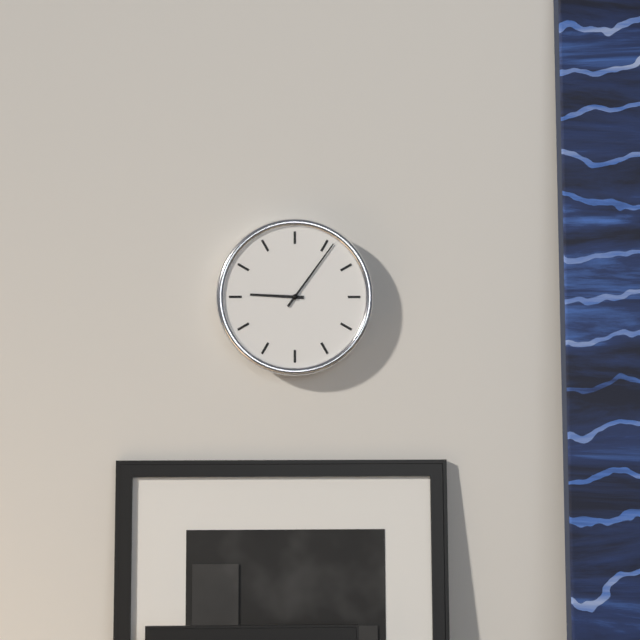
9:06
